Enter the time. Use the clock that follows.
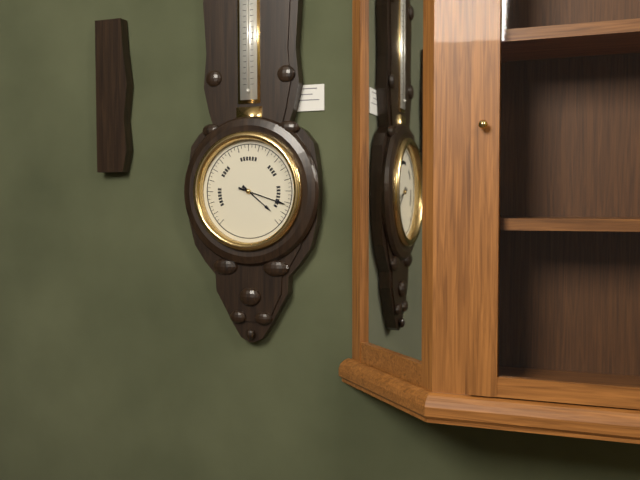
4:18
